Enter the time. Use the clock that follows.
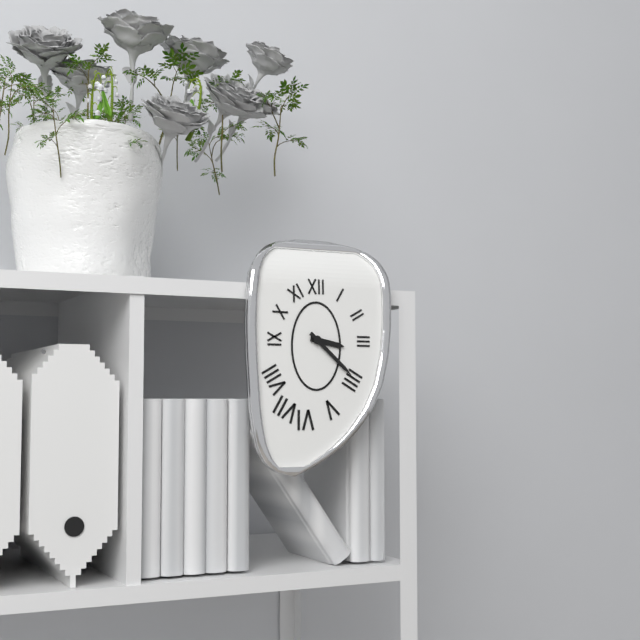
3:22
